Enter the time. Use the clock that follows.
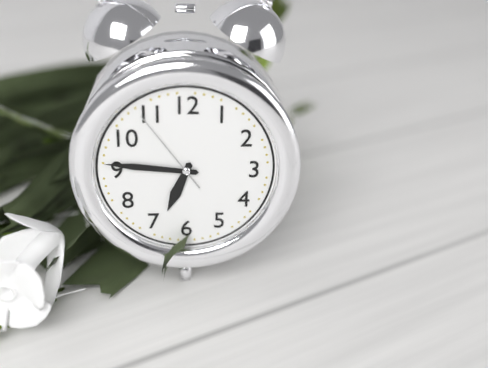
6:46:54
